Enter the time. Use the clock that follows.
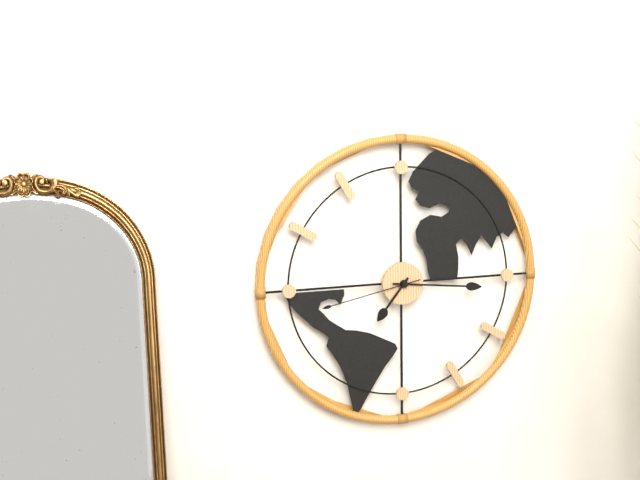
7:16:43
